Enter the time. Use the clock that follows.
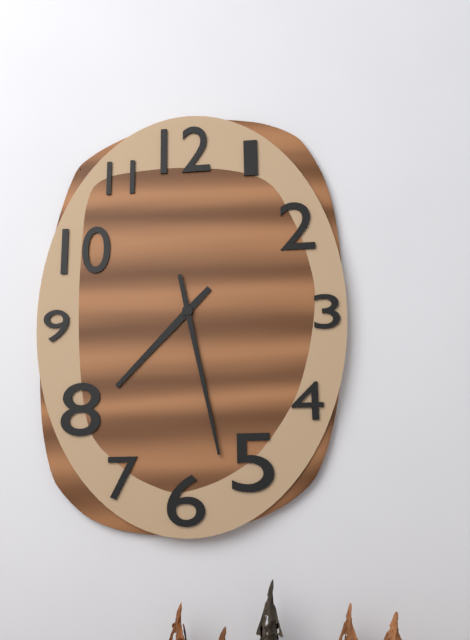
7:28
